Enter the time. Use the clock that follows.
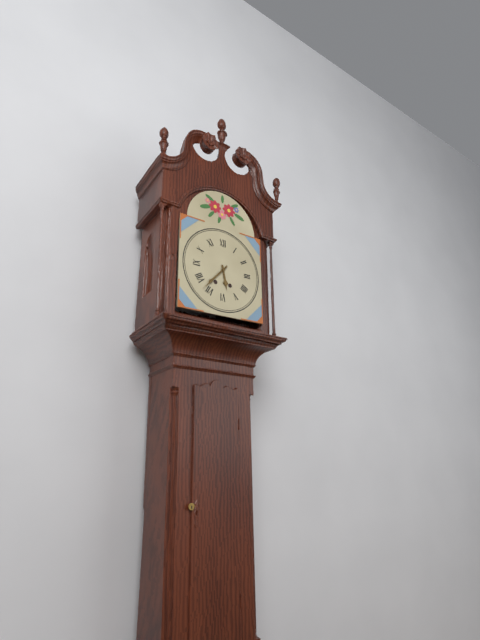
5:37
